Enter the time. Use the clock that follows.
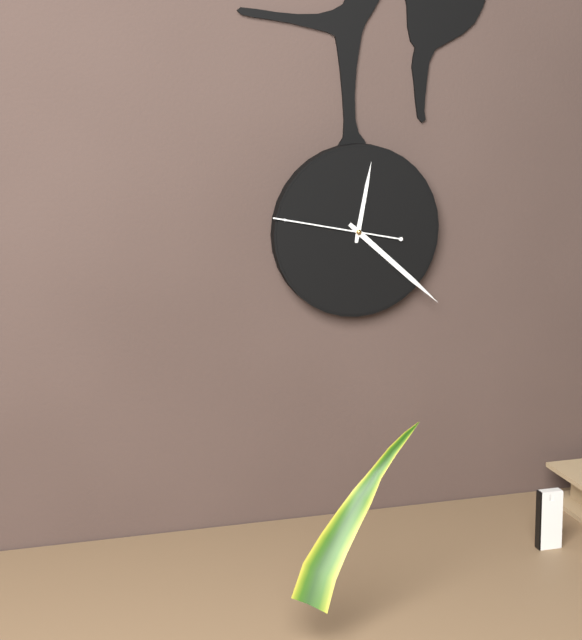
12:22:47
